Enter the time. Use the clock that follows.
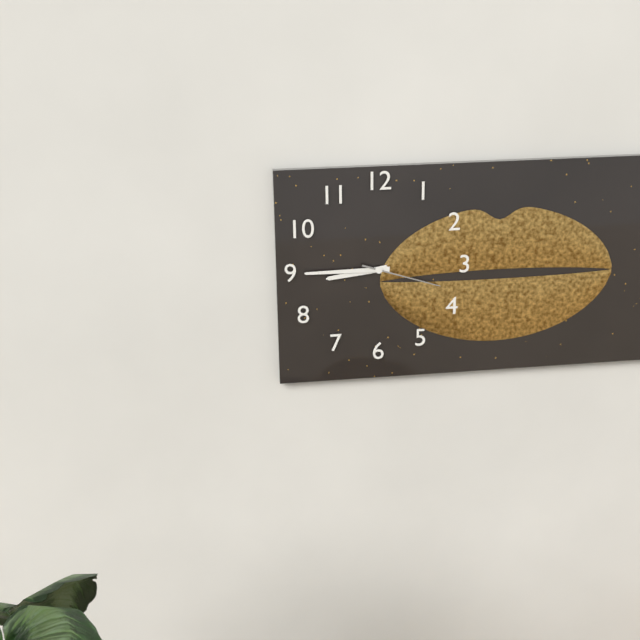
8:45:18
